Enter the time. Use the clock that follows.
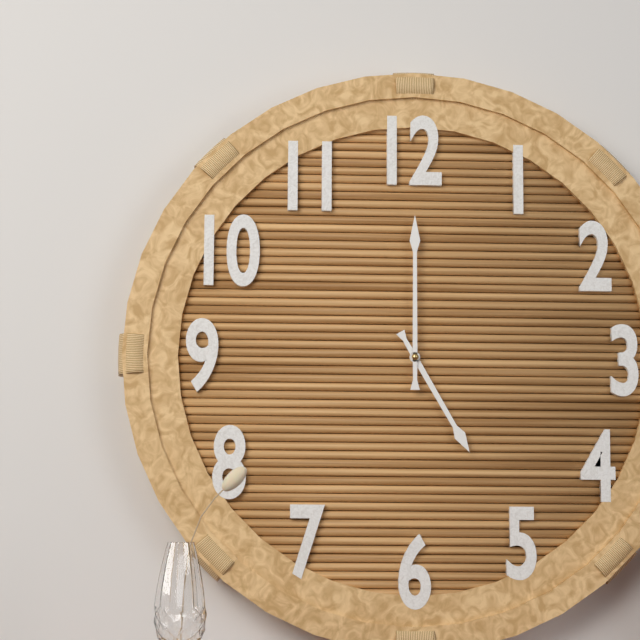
5:00
